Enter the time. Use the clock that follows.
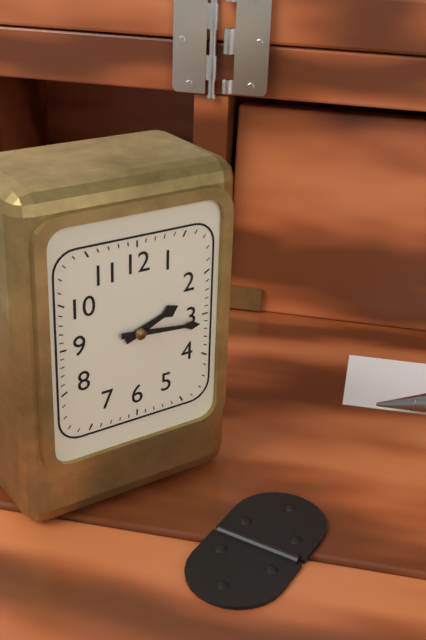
2:16
